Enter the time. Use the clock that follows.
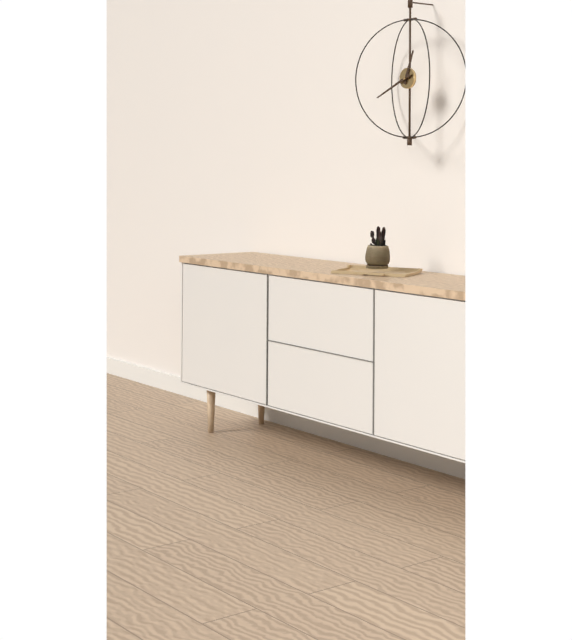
12:41
